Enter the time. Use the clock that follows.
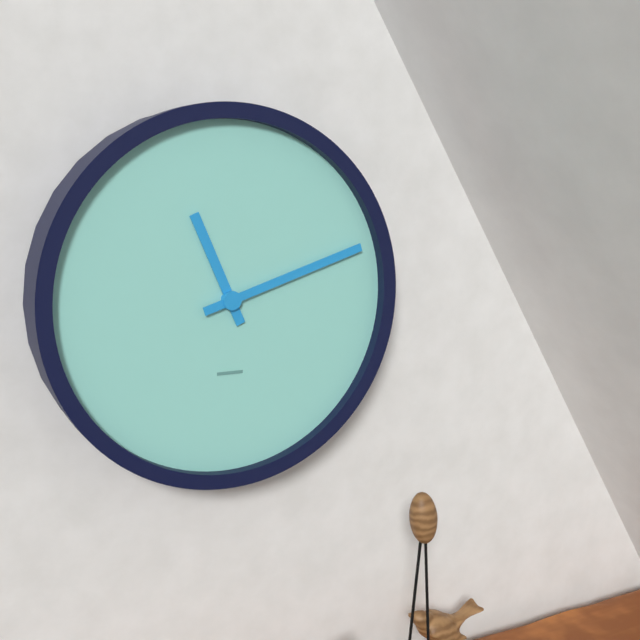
11:12
